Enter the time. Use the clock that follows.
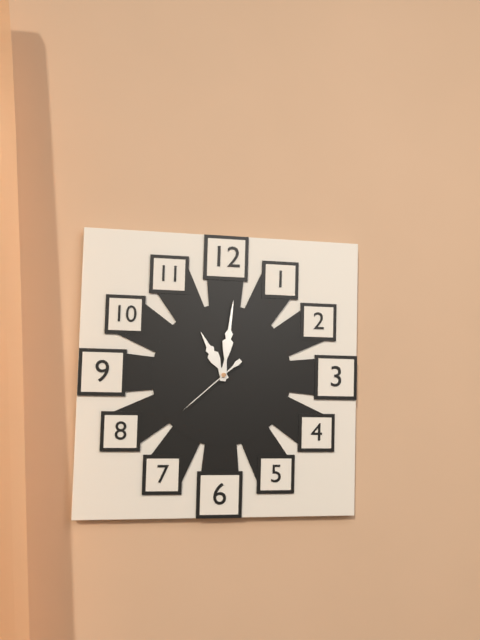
11:01:38
